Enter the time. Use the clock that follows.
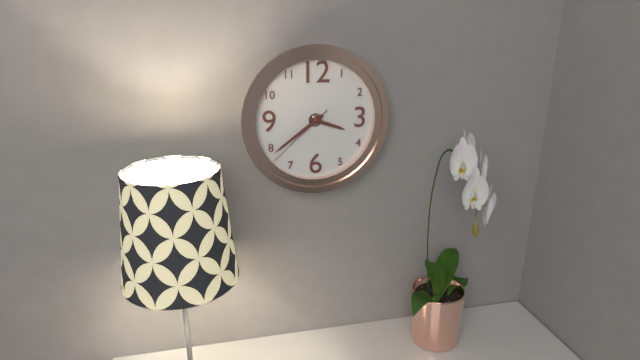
3:39:38
